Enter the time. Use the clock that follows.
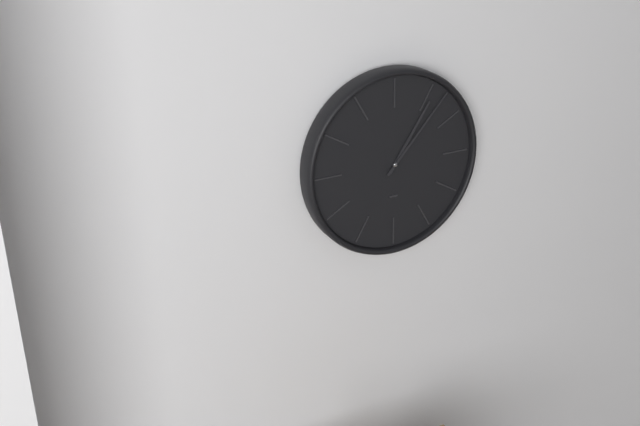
1:07
